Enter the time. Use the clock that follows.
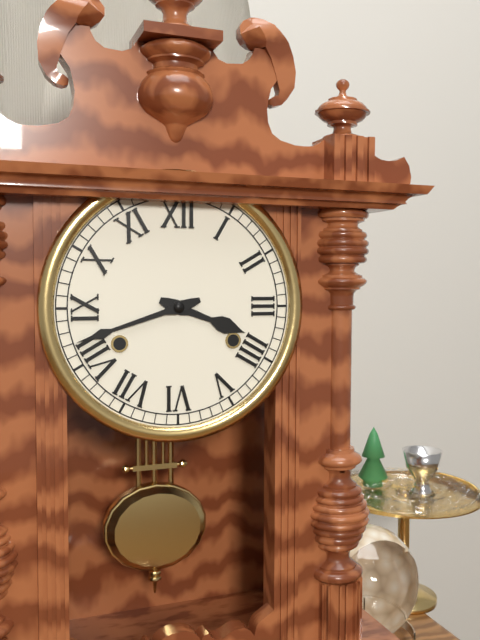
3:42
